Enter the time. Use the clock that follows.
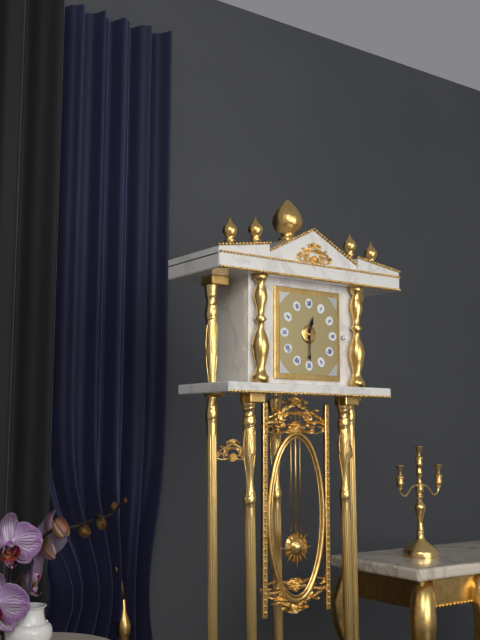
12:30
